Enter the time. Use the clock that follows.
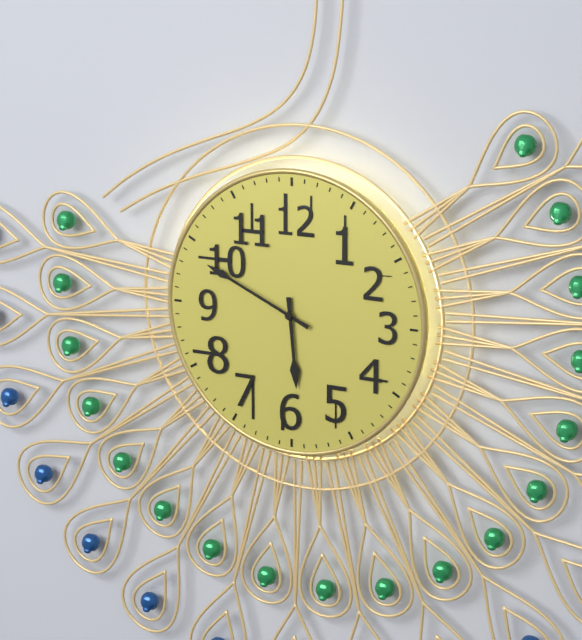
5:49
